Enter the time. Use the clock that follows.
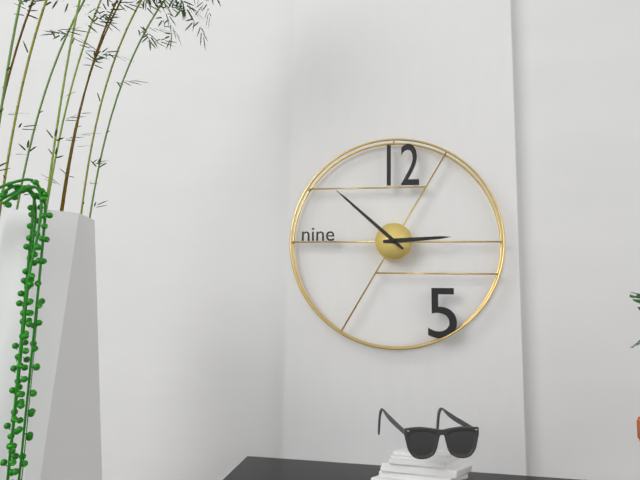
2:52
